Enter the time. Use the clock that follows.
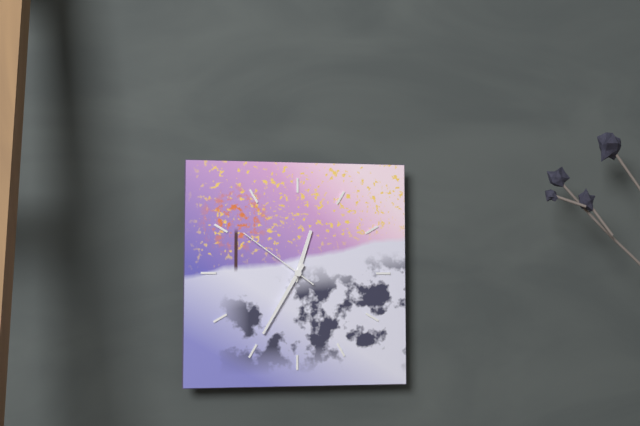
12:35:51
